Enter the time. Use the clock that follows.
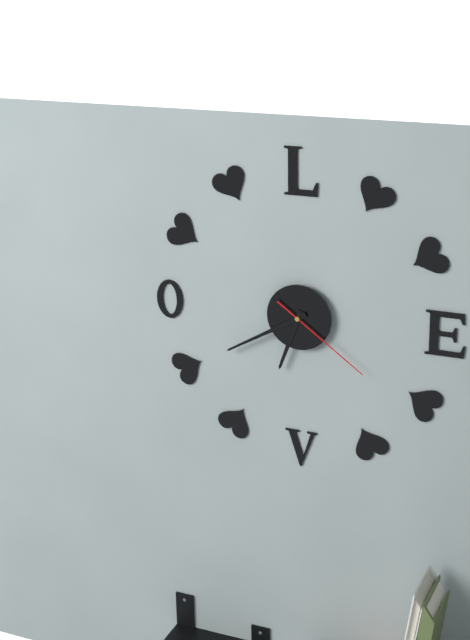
6:40:21
